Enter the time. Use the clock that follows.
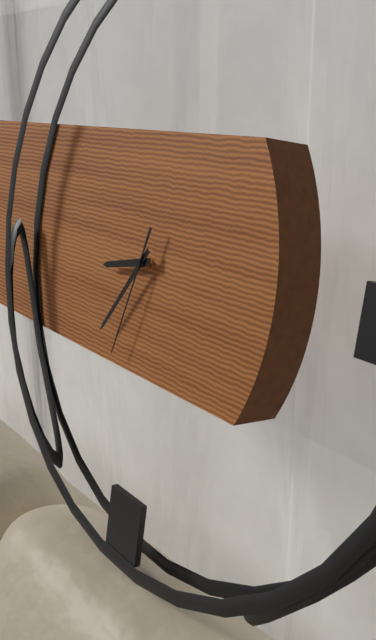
8:36:33
